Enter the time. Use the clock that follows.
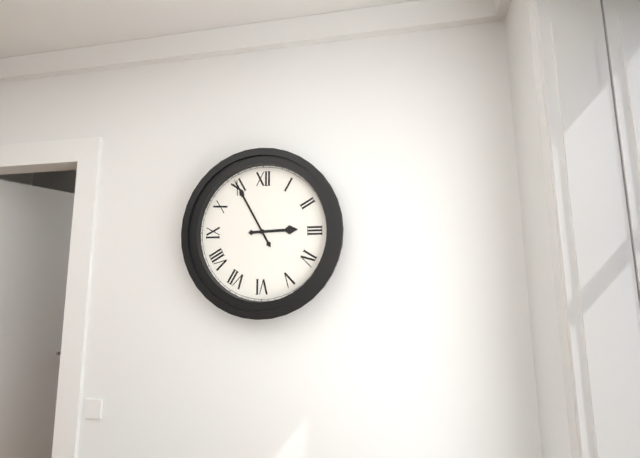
2:55
